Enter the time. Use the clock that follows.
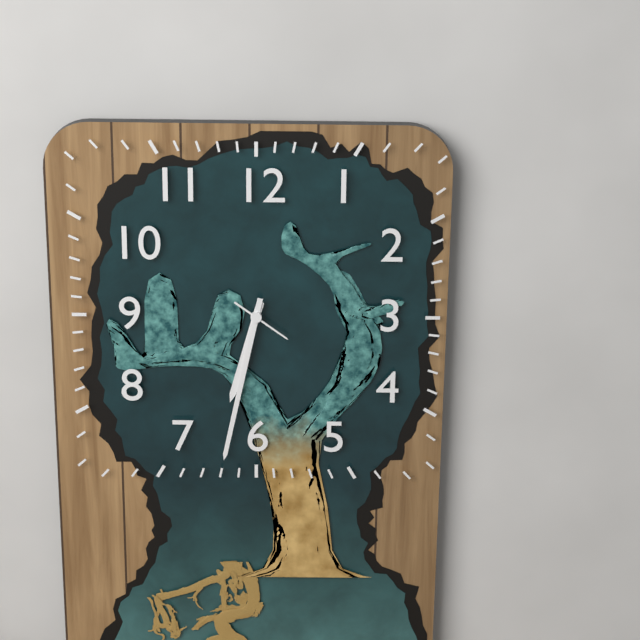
6:32:21
